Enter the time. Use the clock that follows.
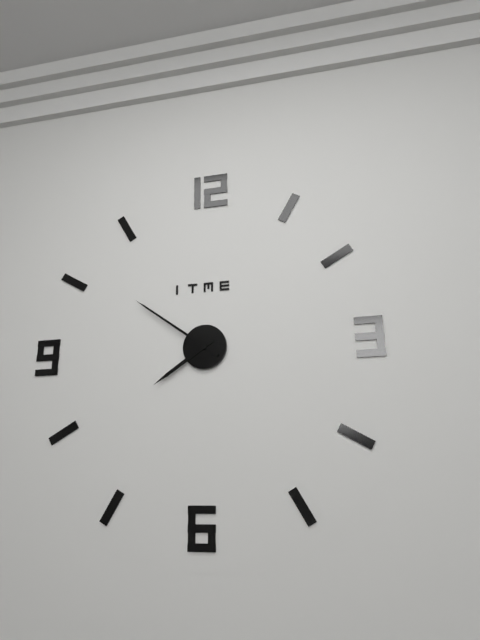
7:51
